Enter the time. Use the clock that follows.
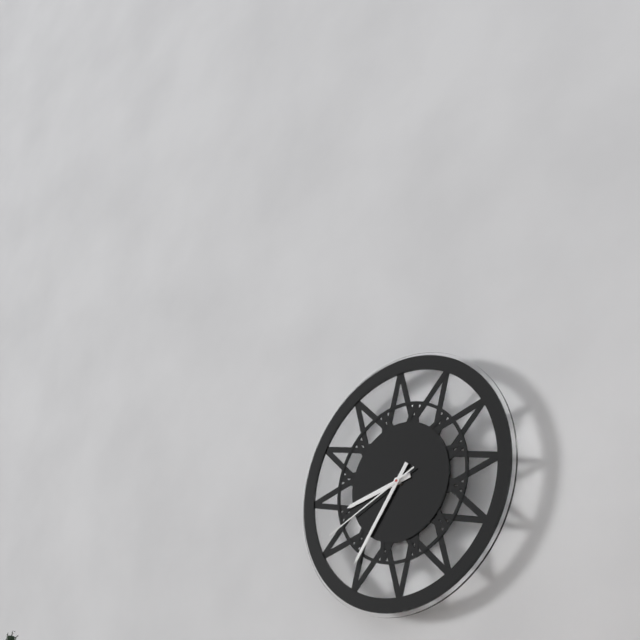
8:36:41
